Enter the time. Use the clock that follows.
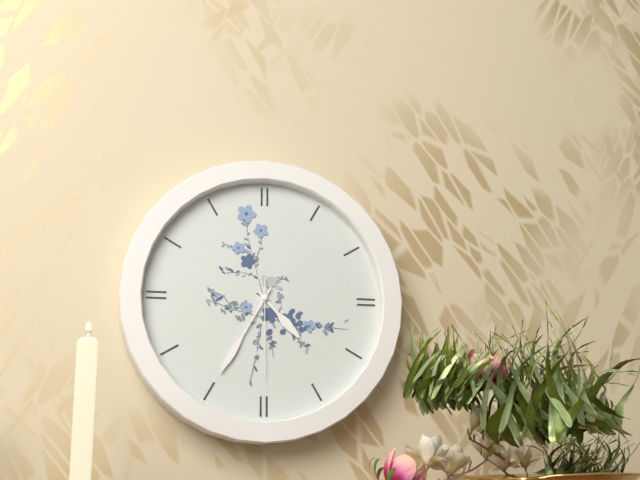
4:35:30
